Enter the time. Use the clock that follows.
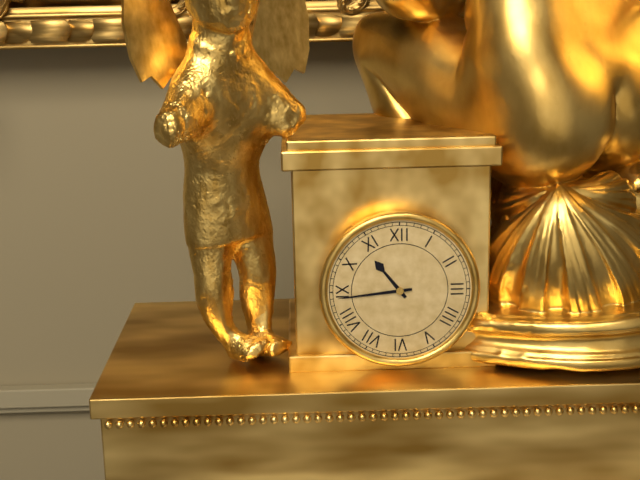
10:44
